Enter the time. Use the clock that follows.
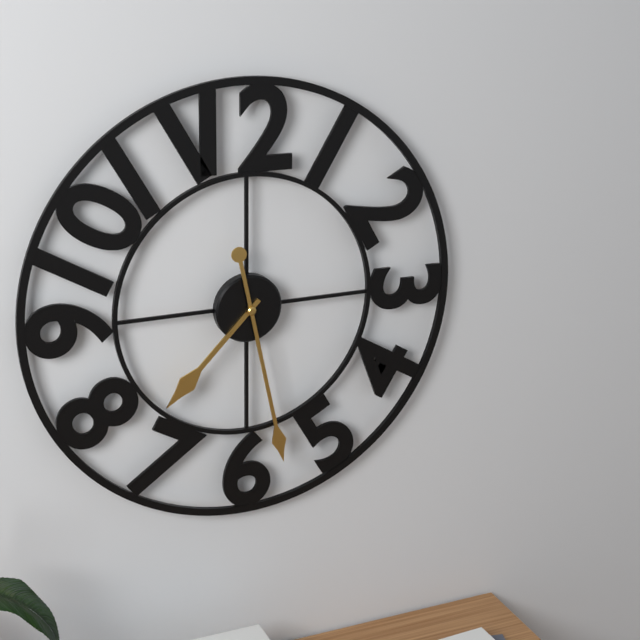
7:28
